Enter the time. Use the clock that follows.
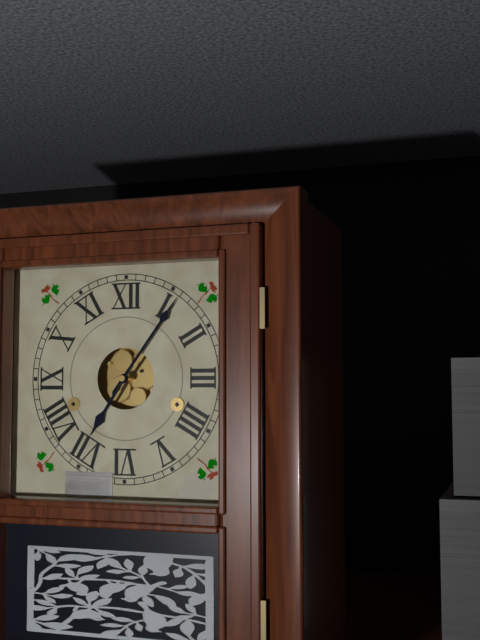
7:06
